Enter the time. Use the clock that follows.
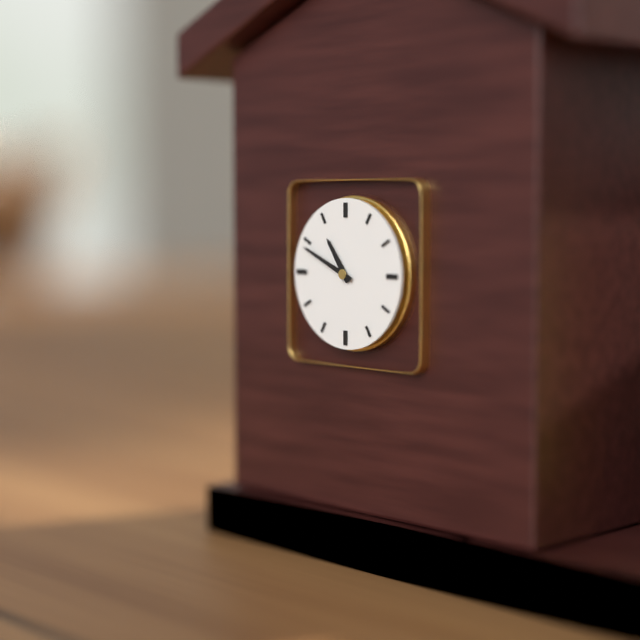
10:49
